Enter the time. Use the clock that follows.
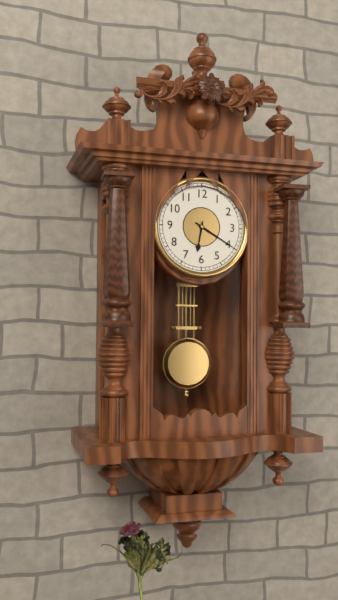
6:20
